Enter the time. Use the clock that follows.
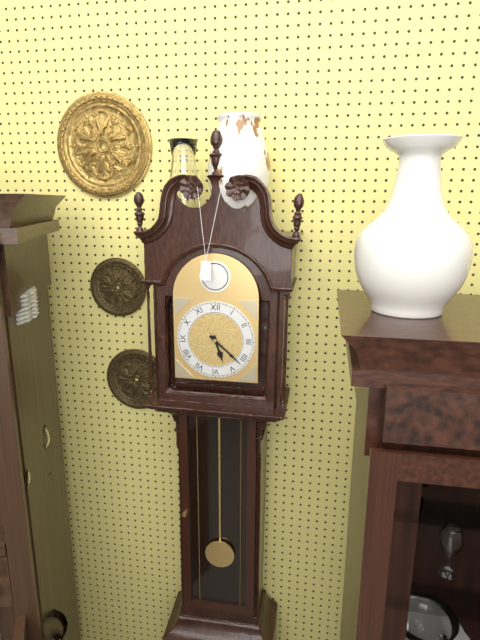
5:22
